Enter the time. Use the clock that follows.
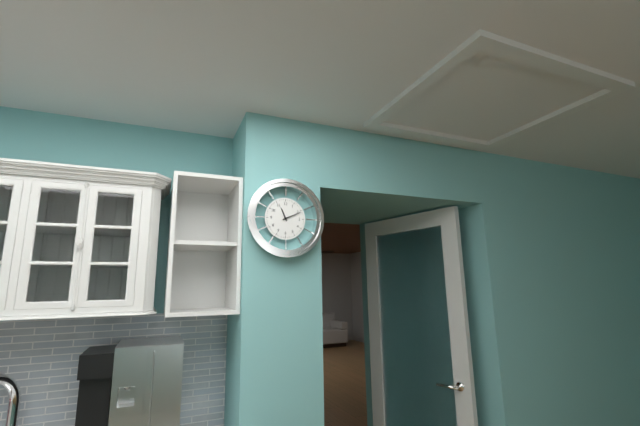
11:11
